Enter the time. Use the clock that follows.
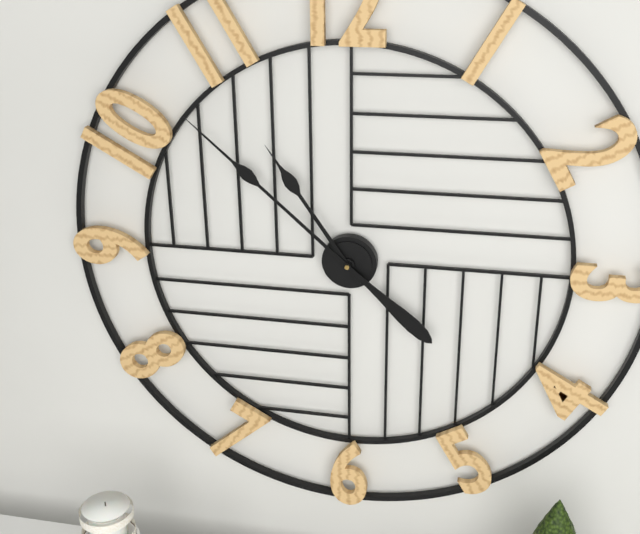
10:52
